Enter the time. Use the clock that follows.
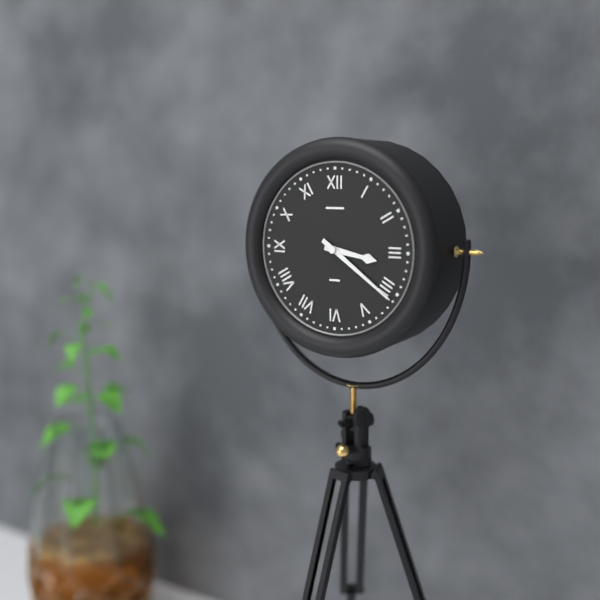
3:21
